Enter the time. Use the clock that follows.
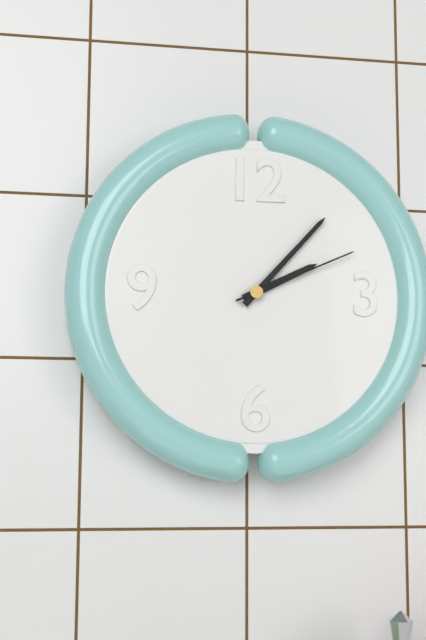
2:07:11
